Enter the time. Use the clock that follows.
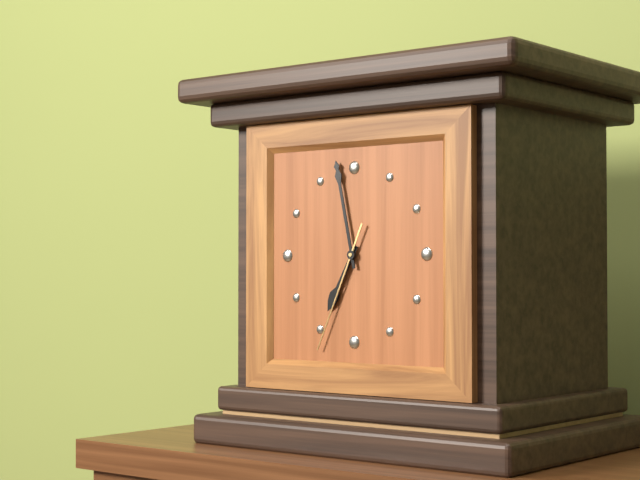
6:58:34
